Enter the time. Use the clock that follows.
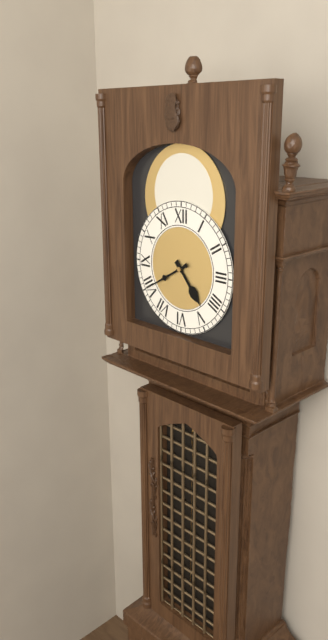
4:40
